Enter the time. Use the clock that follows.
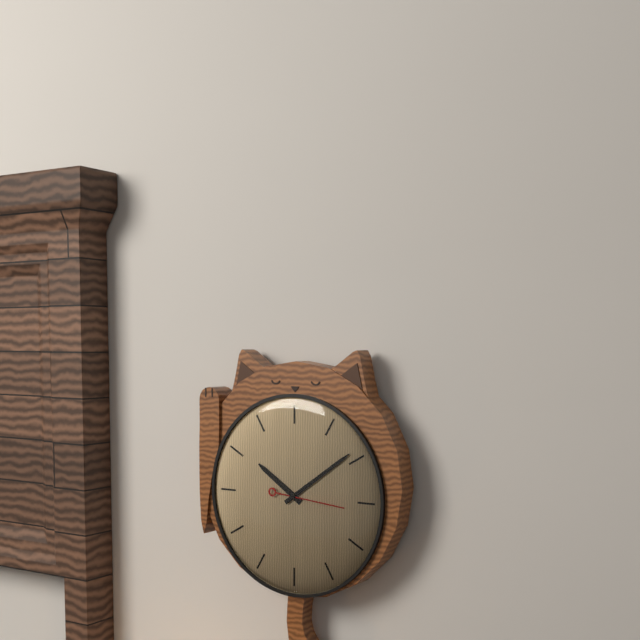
10:09:16
